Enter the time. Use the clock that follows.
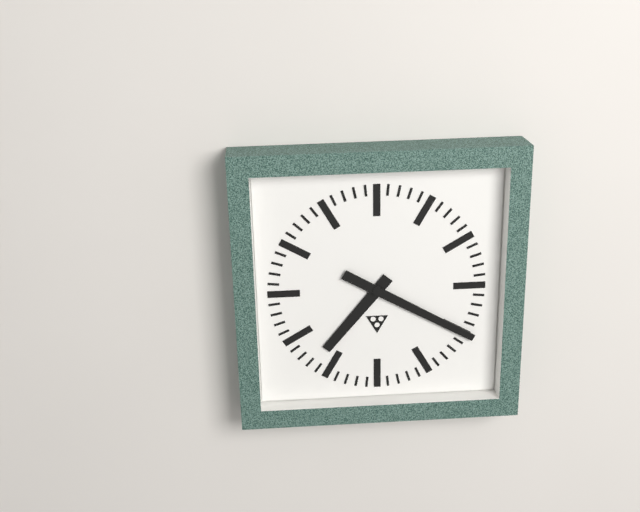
7:20
